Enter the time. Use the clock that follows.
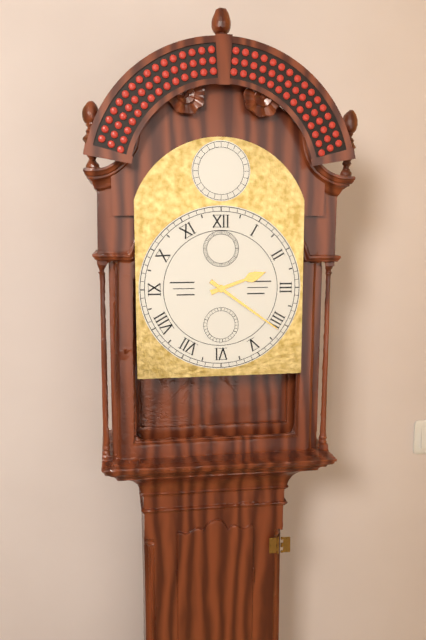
2:21
